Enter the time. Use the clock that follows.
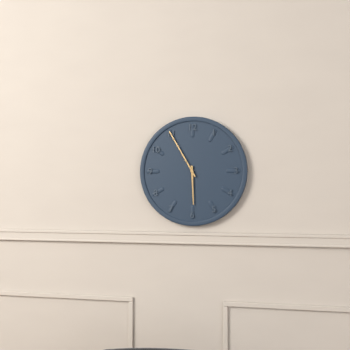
5:55
